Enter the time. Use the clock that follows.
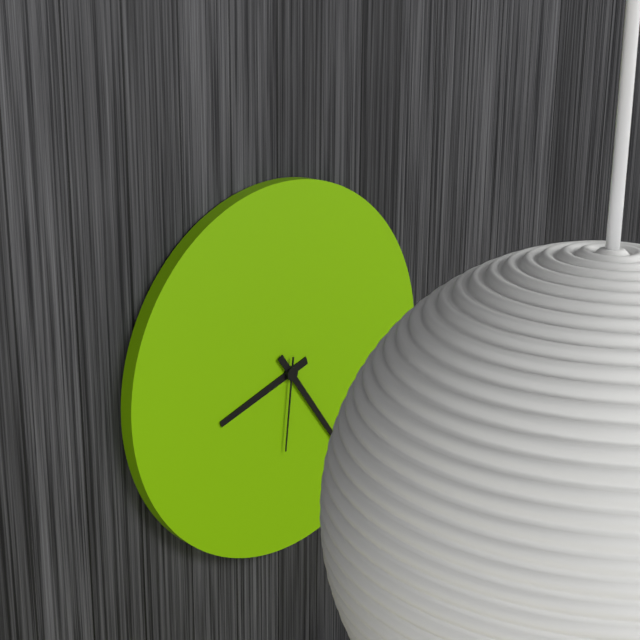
8:24:31
